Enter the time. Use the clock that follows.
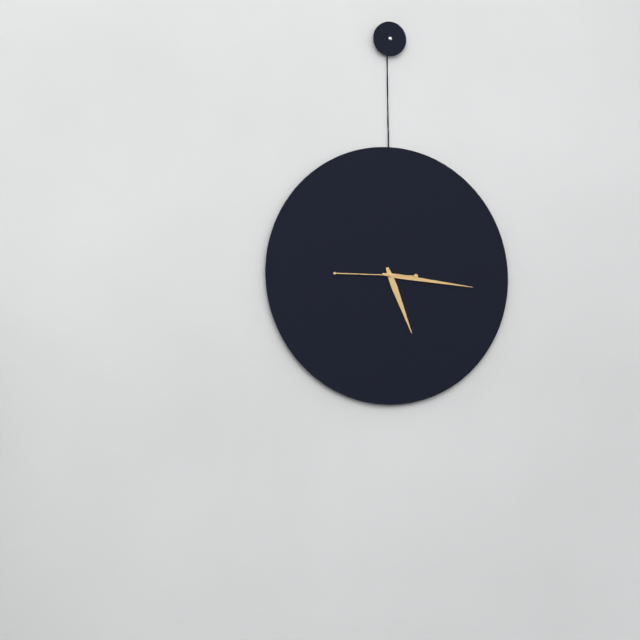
5:16:45
